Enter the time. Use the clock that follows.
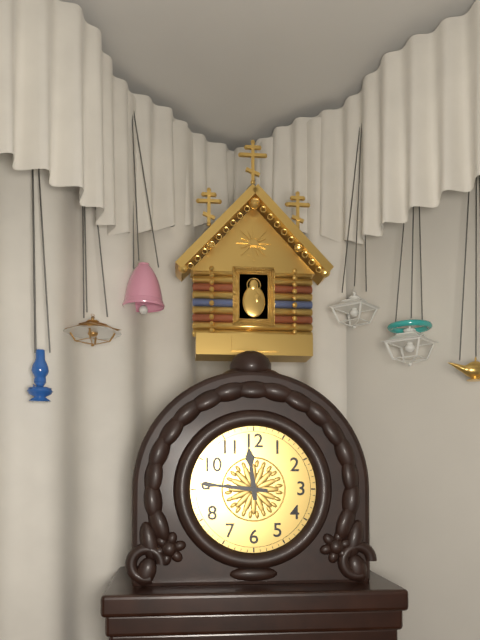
11:46
